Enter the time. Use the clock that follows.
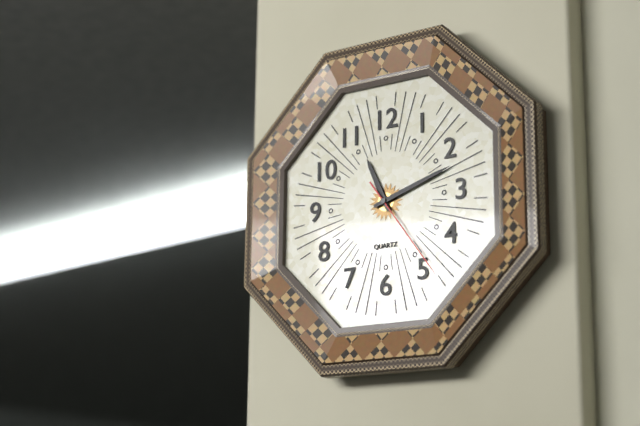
11:12:24
